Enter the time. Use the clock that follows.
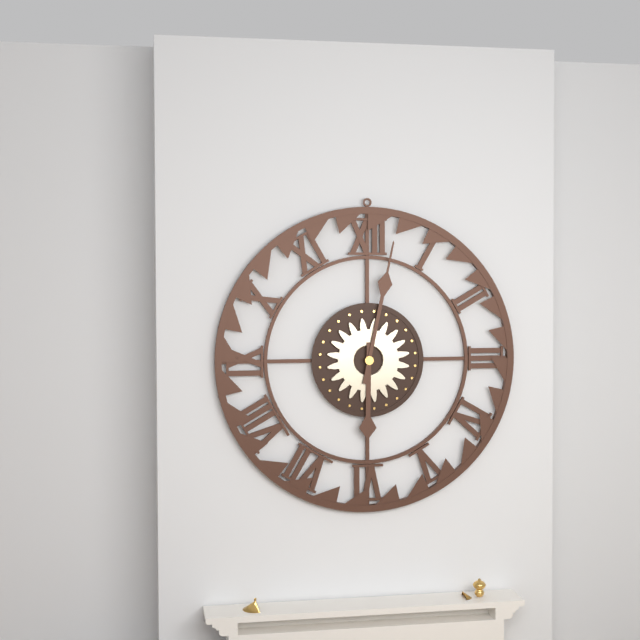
6:02
